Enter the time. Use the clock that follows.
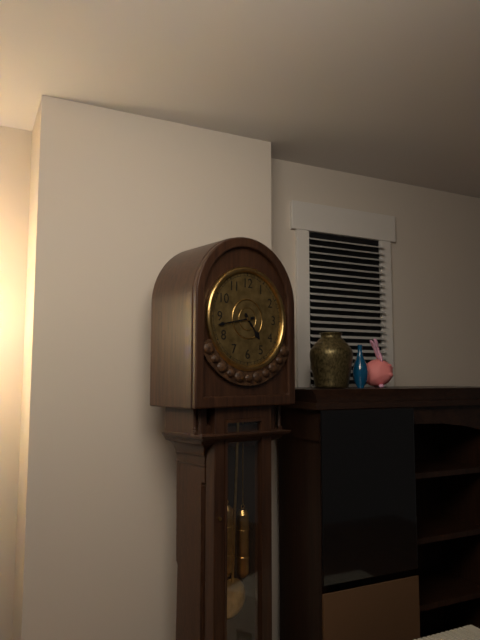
4:43
